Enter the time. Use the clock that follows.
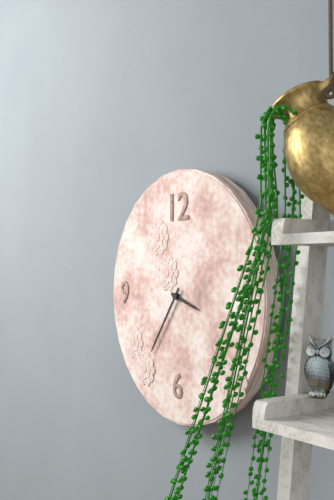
3:36
